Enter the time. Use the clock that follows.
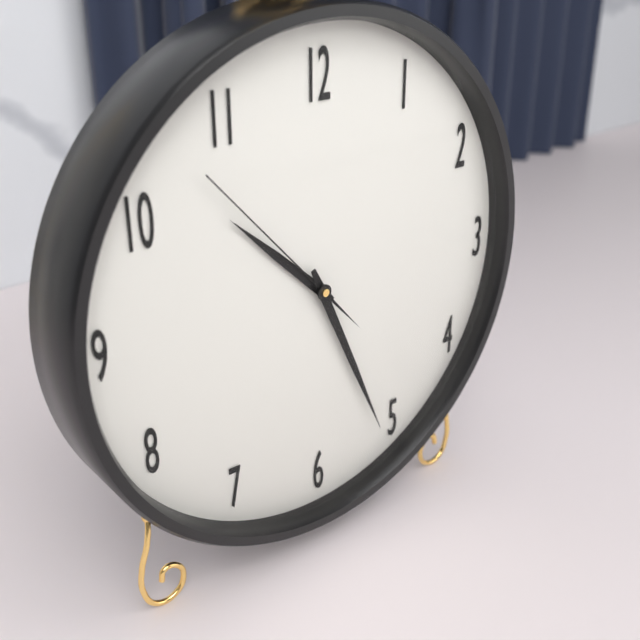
10:26:53
